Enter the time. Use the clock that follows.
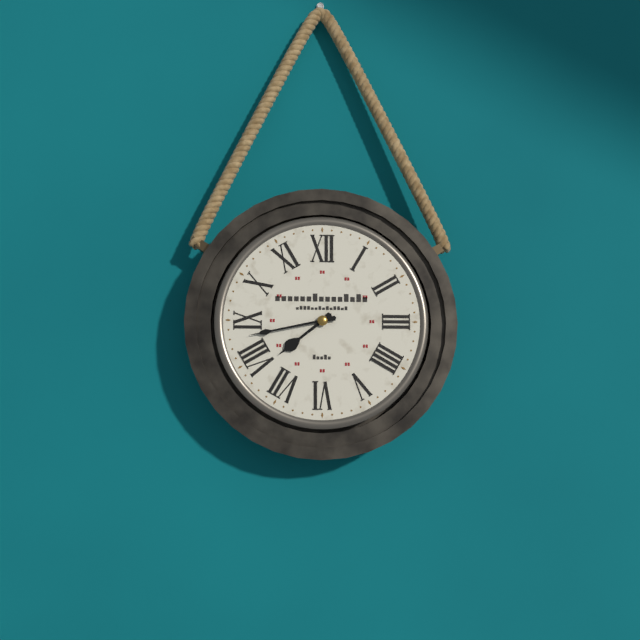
7:43
